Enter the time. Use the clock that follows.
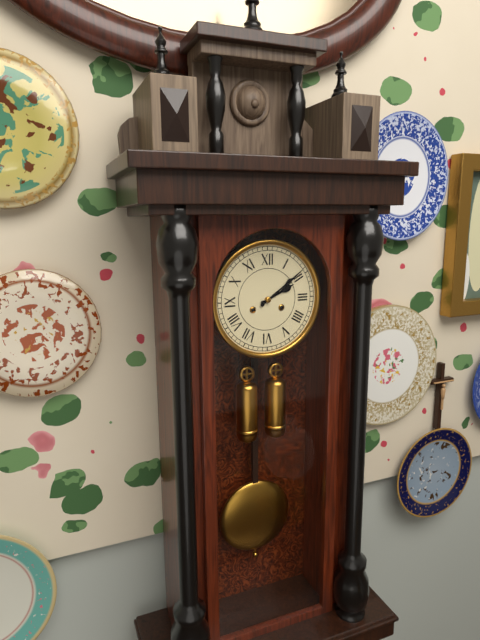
2:09
